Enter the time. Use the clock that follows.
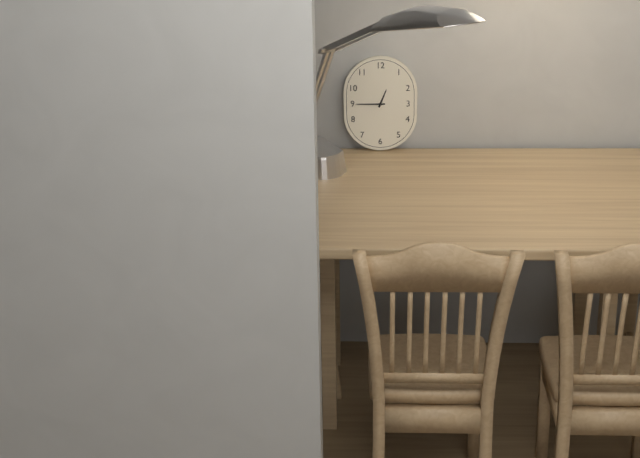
12:45
